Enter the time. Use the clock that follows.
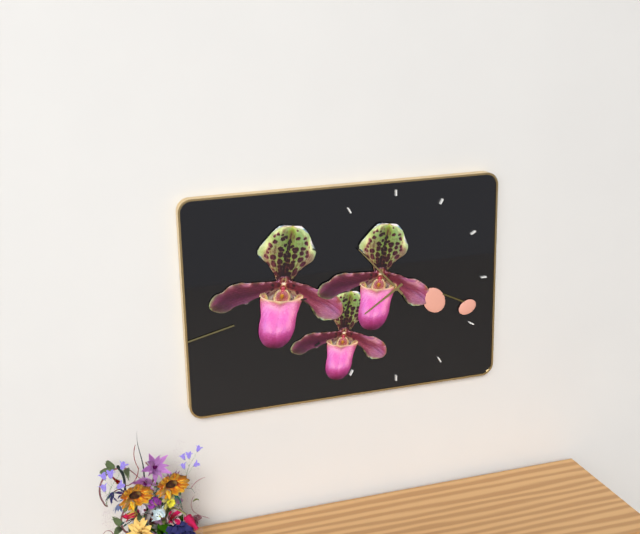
7:53
